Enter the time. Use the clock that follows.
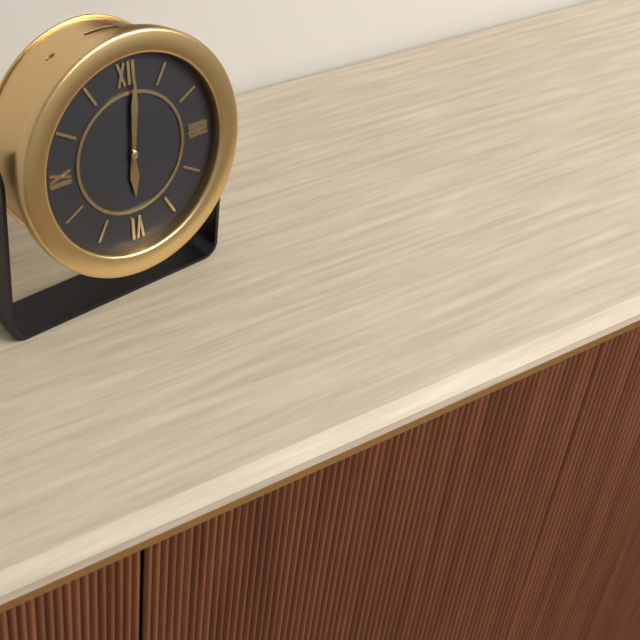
6:01
